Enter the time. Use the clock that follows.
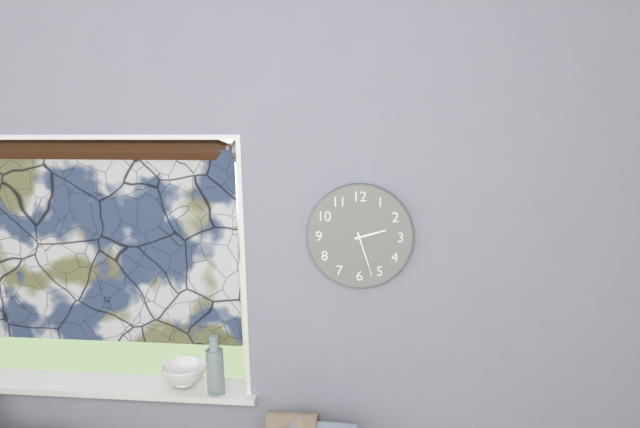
2:27
